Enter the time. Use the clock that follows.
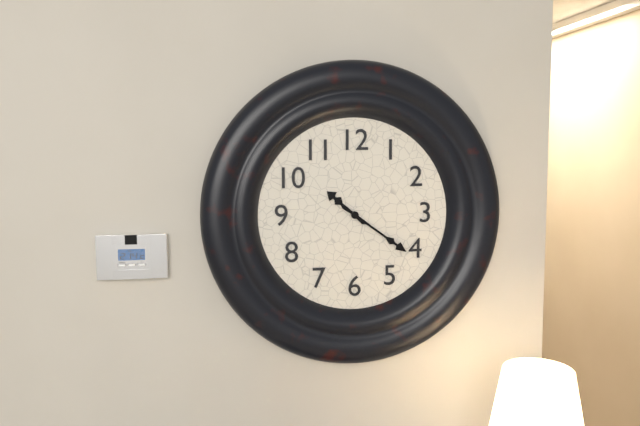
10:21
